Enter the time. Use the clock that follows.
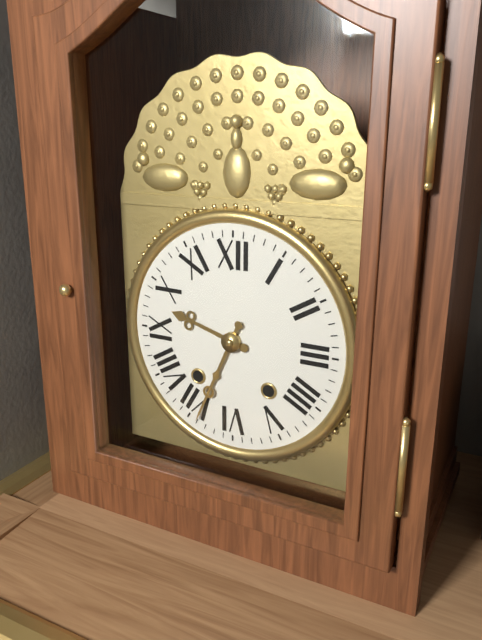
9:34
